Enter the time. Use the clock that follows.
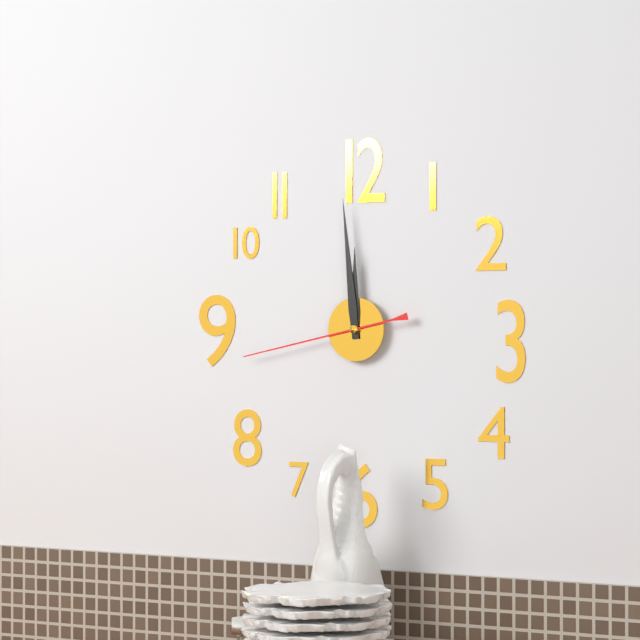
11:59:43
